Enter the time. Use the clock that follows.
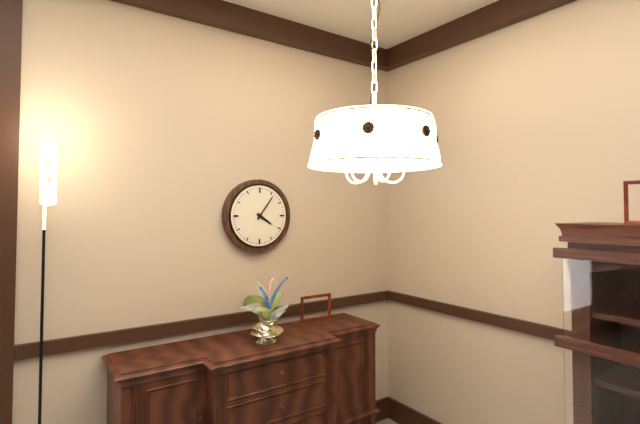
4:06
